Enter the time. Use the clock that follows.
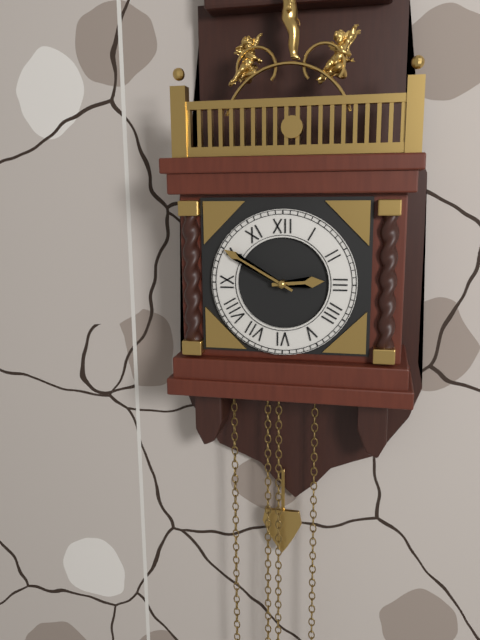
2:50
